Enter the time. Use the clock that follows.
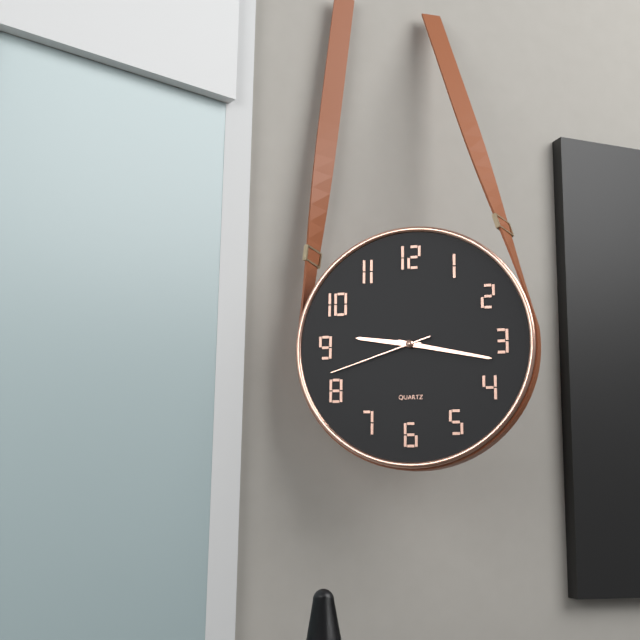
9:17:42
